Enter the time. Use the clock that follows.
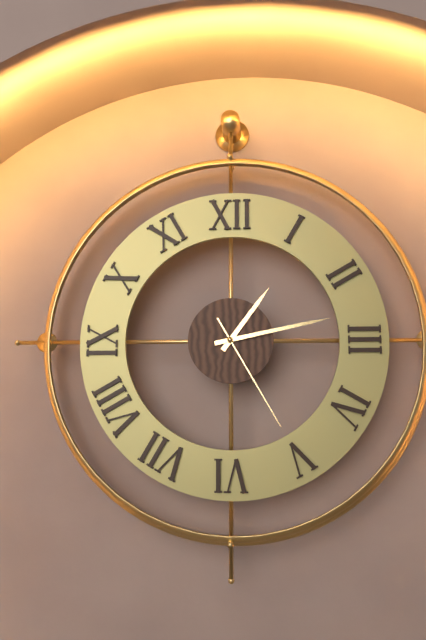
1:13:25
